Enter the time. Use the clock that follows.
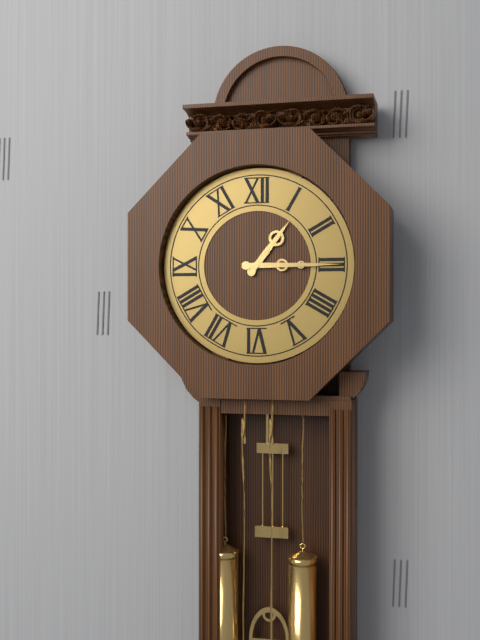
1:15
